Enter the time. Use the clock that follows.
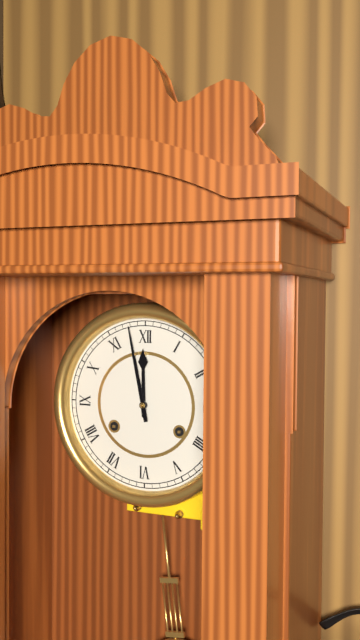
11:58
